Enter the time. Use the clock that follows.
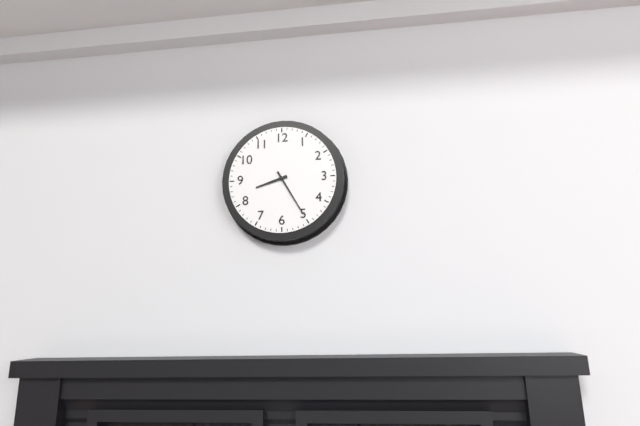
8:25
